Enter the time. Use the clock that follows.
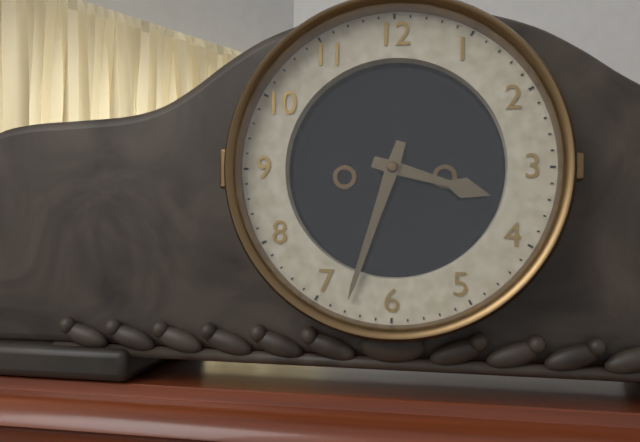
3:33
